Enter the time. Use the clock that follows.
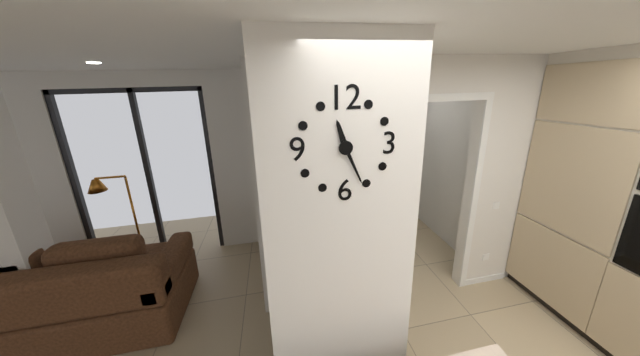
11:26
